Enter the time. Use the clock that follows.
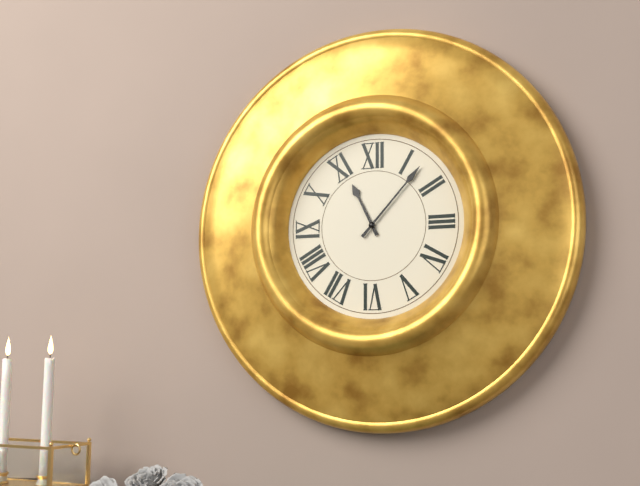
11:07
